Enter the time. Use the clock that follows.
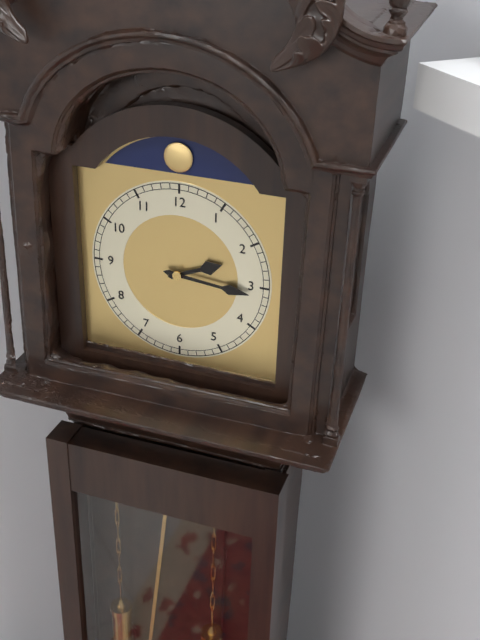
2:16
